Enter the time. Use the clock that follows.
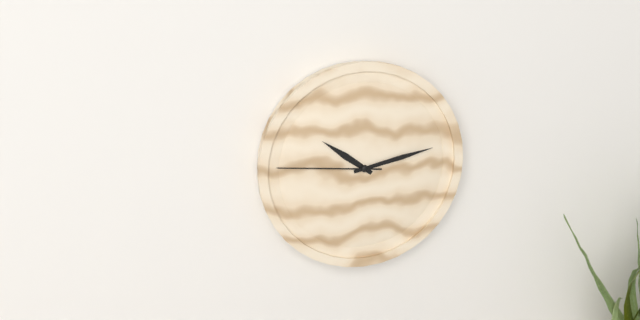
10:13:46
